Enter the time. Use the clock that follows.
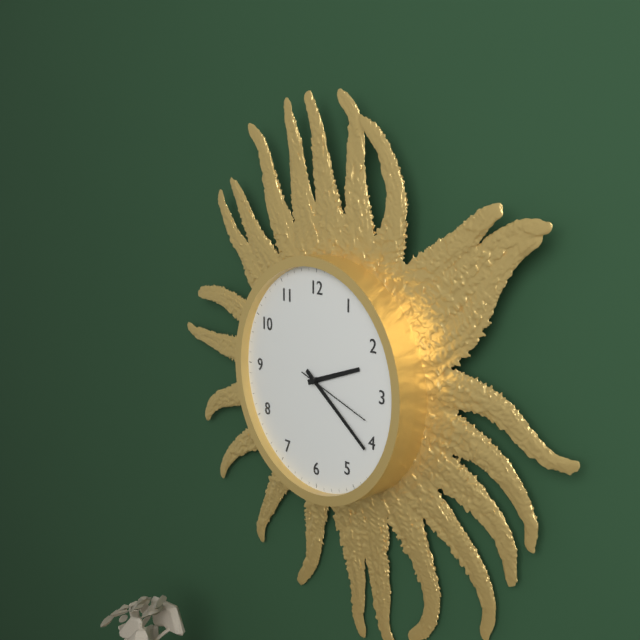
2:21:18
